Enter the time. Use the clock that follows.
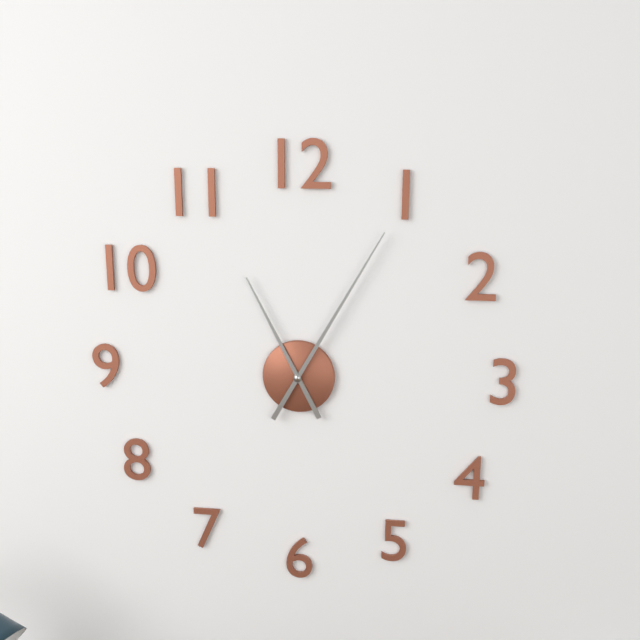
11:05
